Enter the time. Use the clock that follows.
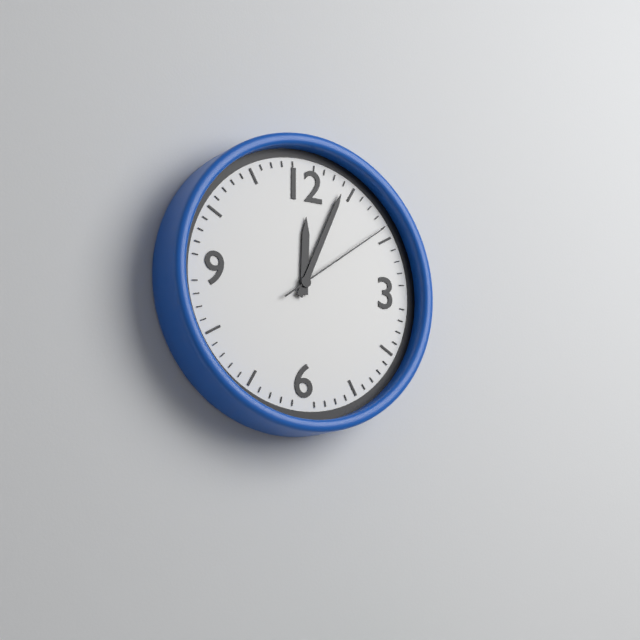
12:04:09
